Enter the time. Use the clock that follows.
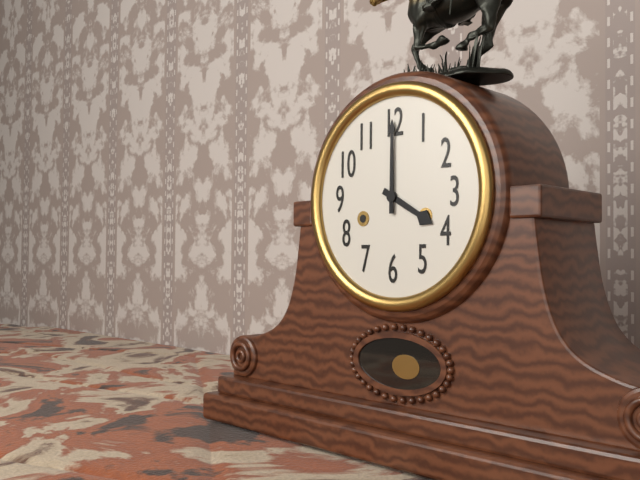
4:00
